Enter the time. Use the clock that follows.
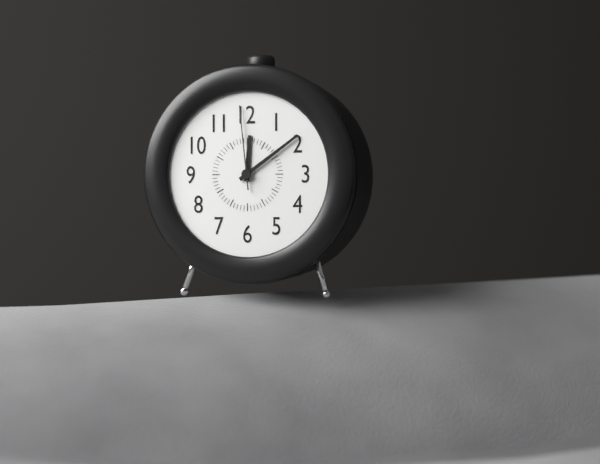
12:09:59
